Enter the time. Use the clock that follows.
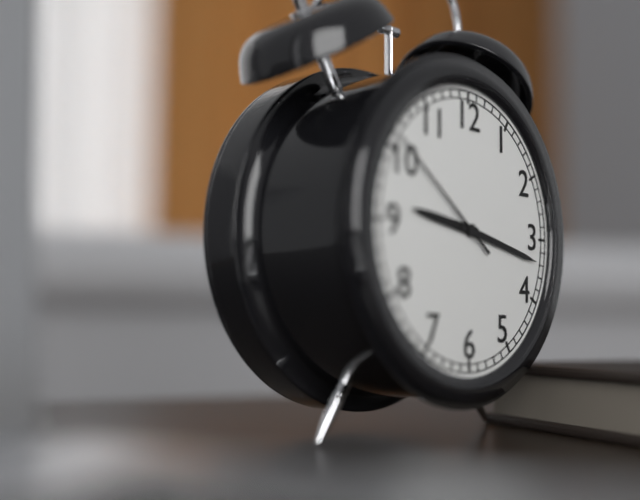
9:17:51
